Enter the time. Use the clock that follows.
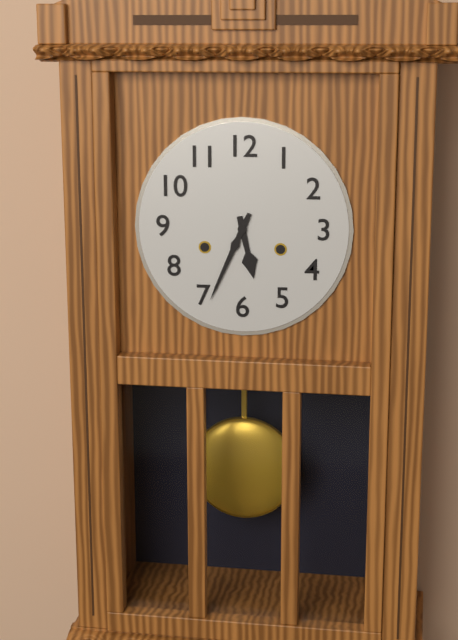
5:34
